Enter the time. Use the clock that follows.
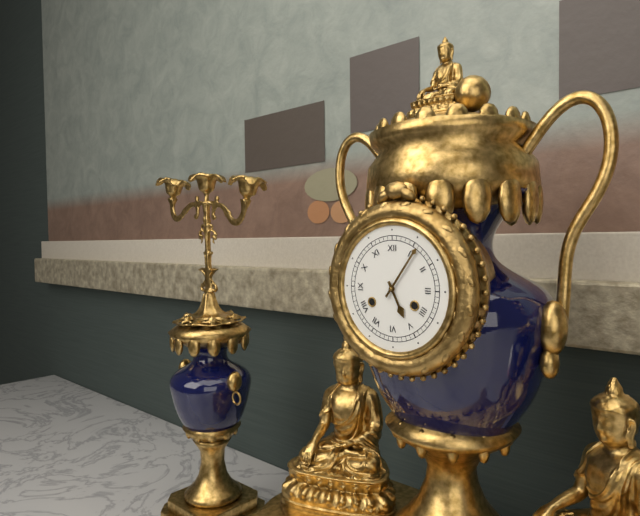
5:06
